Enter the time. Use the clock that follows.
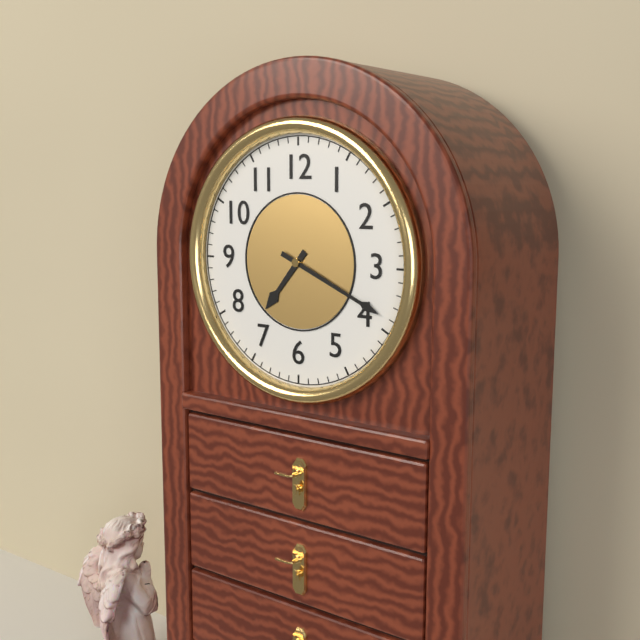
7:19
